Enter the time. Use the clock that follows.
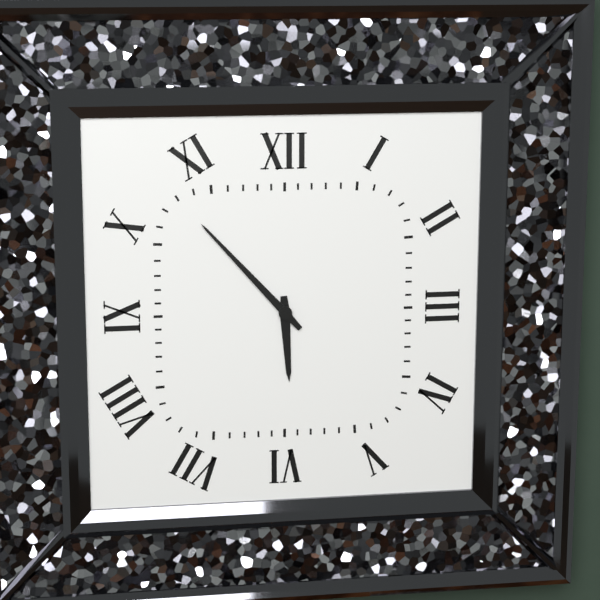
5:53
